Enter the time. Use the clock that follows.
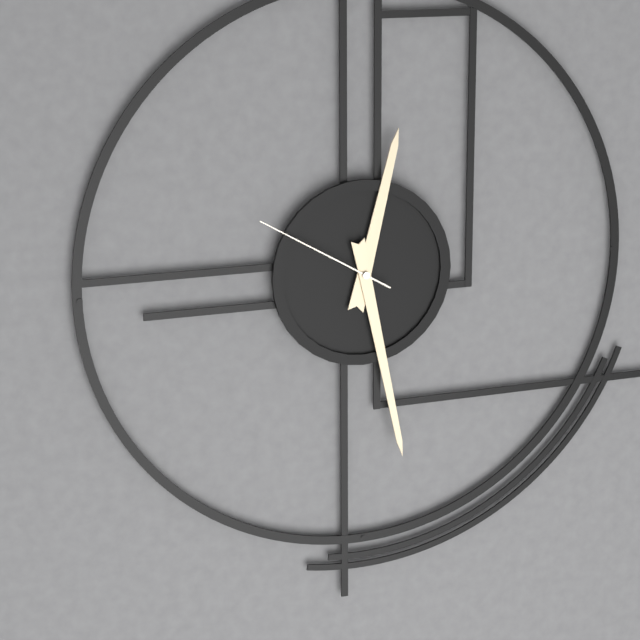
12:28:50
